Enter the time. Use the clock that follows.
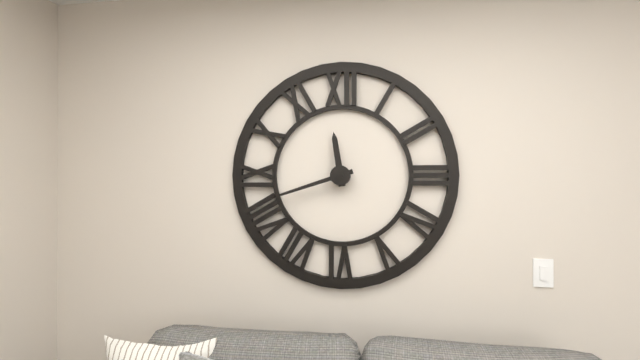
11:42
